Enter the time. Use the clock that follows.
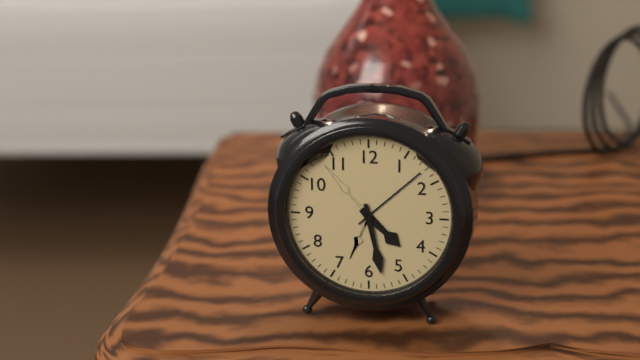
4:28
